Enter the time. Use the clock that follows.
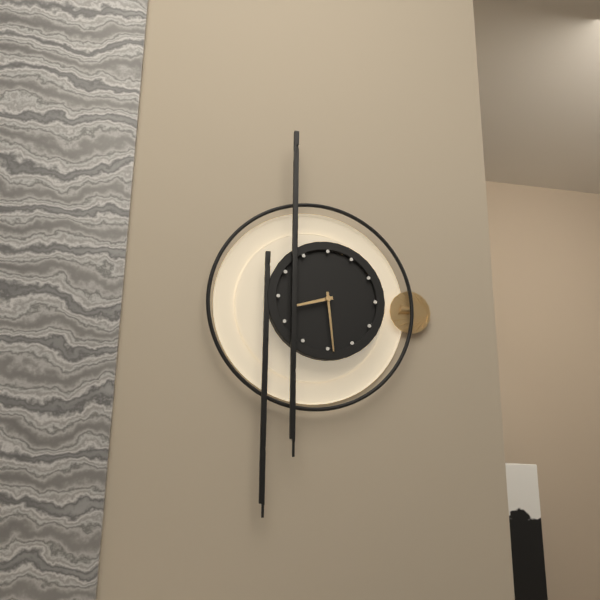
8:29
